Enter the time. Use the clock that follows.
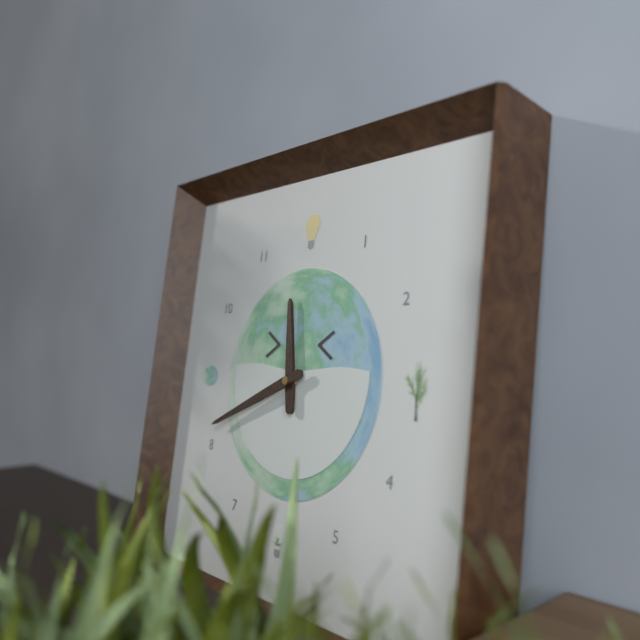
11:41
